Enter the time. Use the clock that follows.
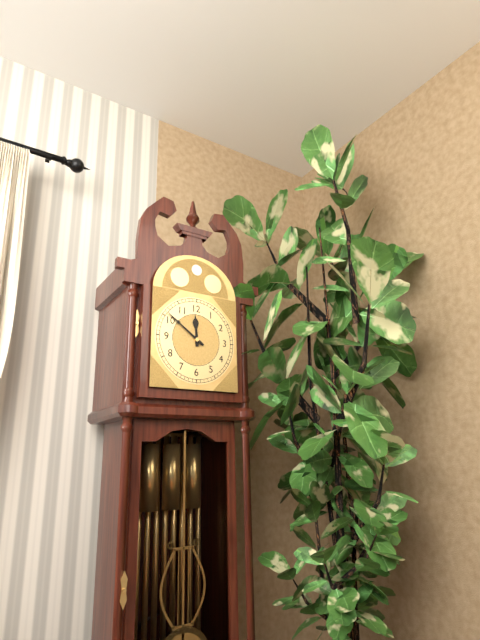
11:51
